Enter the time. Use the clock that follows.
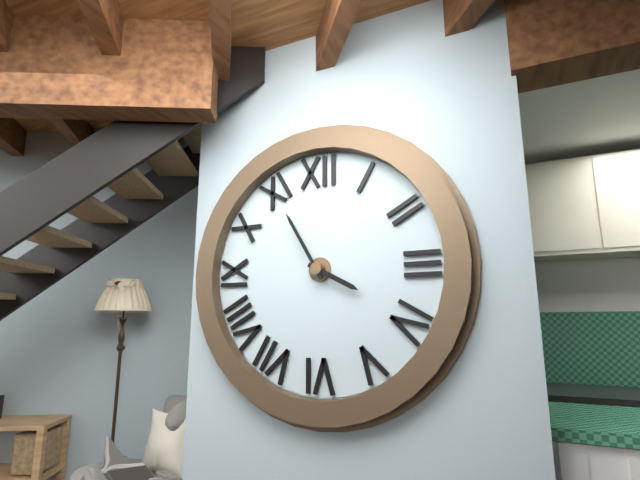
3:55
